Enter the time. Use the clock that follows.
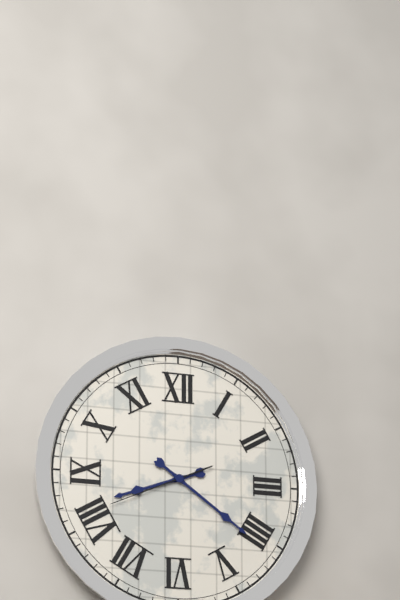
8:21:41
